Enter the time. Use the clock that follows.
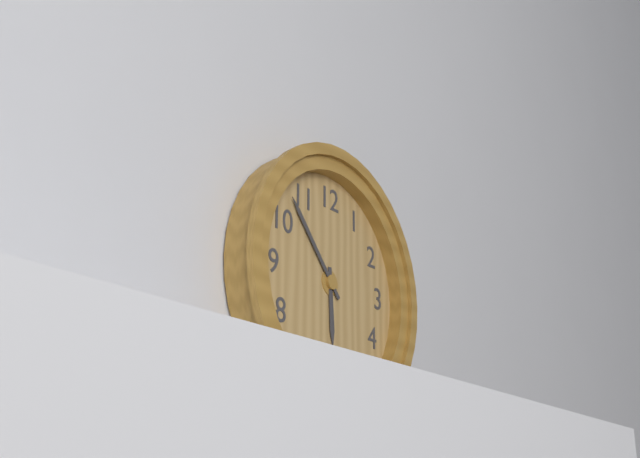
5:53
